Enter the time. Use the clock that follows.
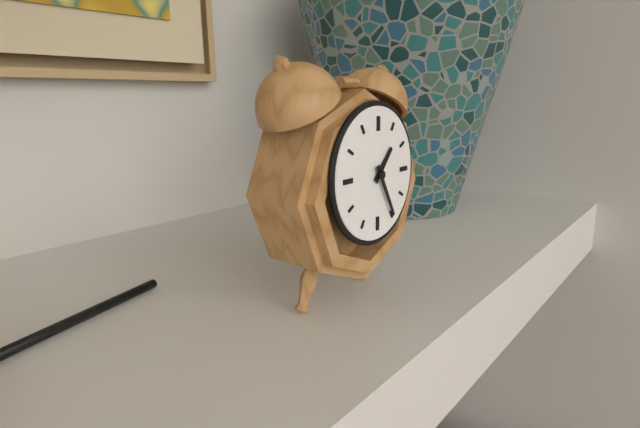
1:25
